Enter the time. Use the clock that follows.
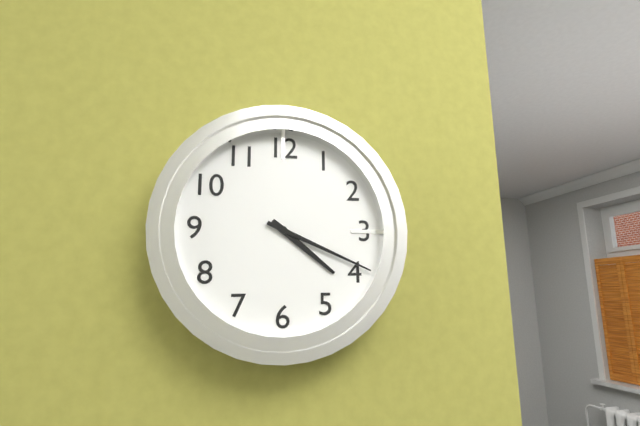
4:19
